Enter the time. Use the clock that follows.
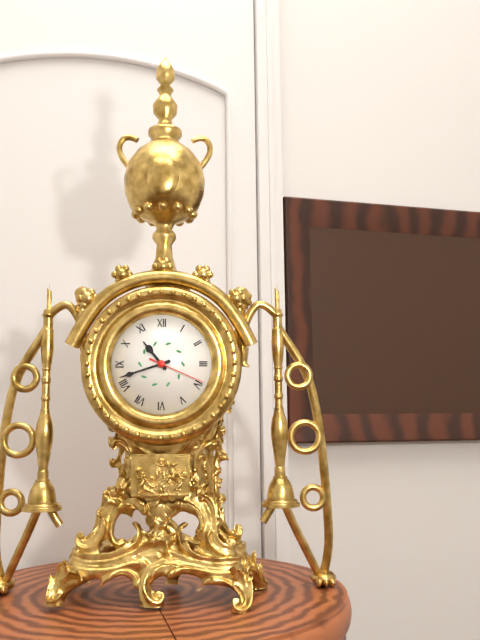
10:42:19
